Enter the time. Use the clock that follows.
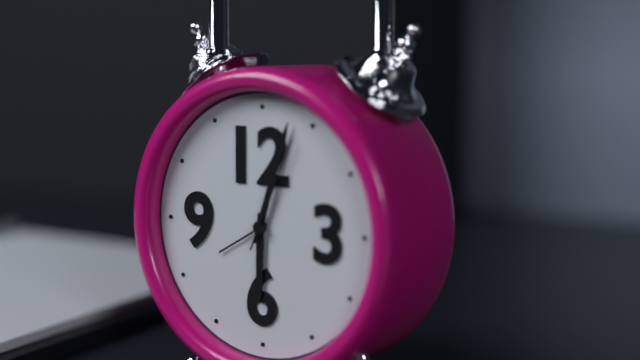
6:03:04
